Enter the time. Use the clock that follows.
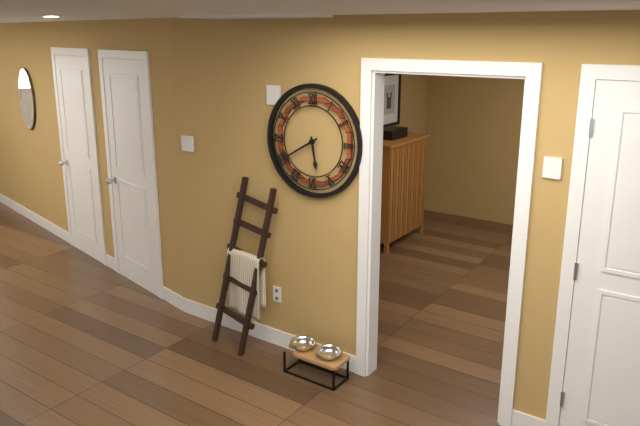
5:40
